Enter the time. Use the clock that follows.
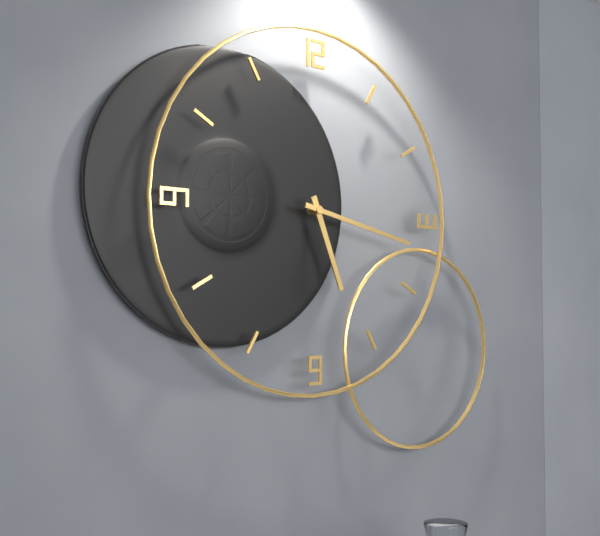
5:17
